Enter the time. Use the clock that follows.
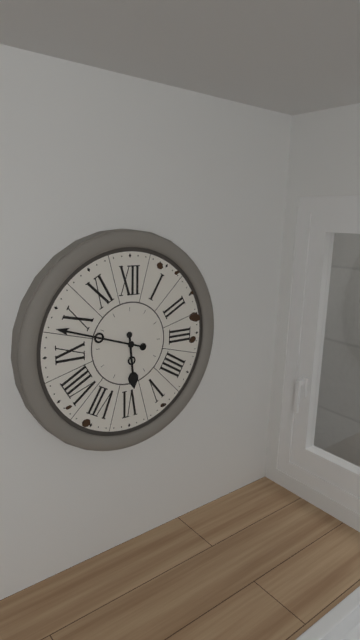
5:48
